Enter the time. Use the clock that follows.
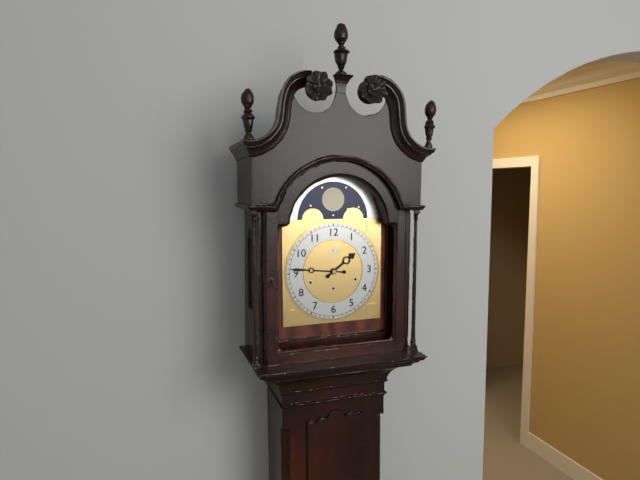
1:46
